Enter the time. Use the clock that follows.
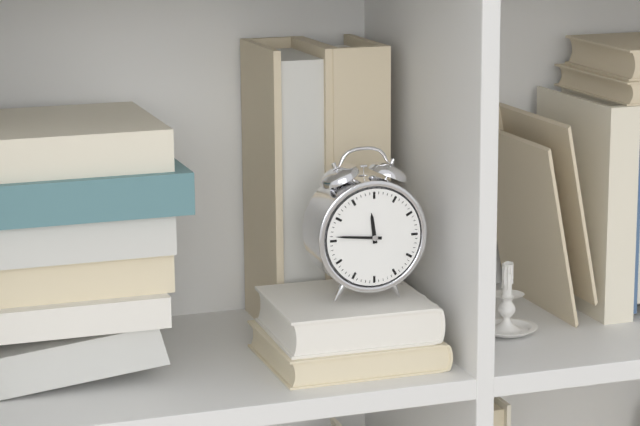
11:46
